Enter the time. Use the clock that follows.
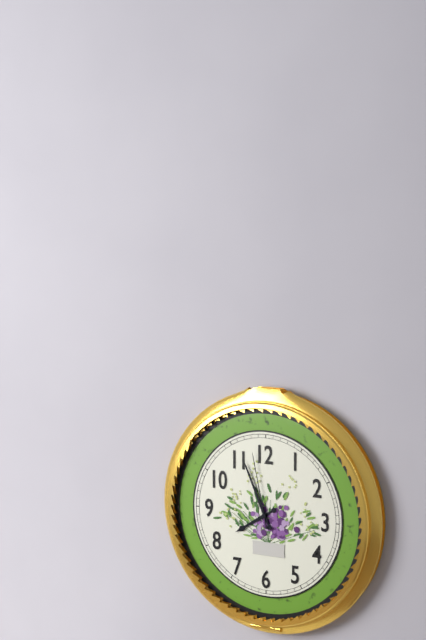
7:56:58
